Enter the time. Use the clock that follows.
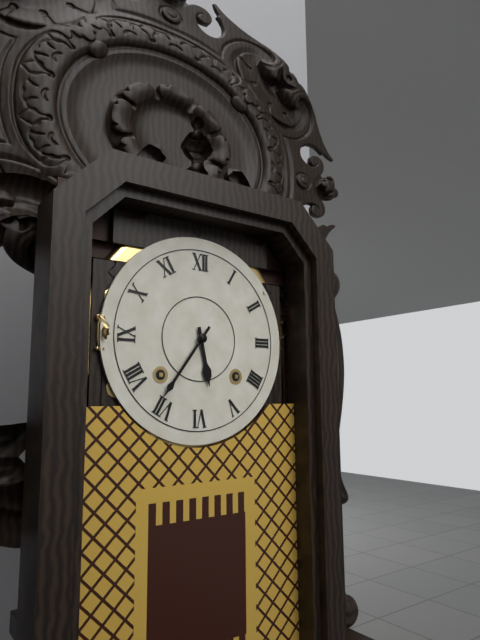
5:36
